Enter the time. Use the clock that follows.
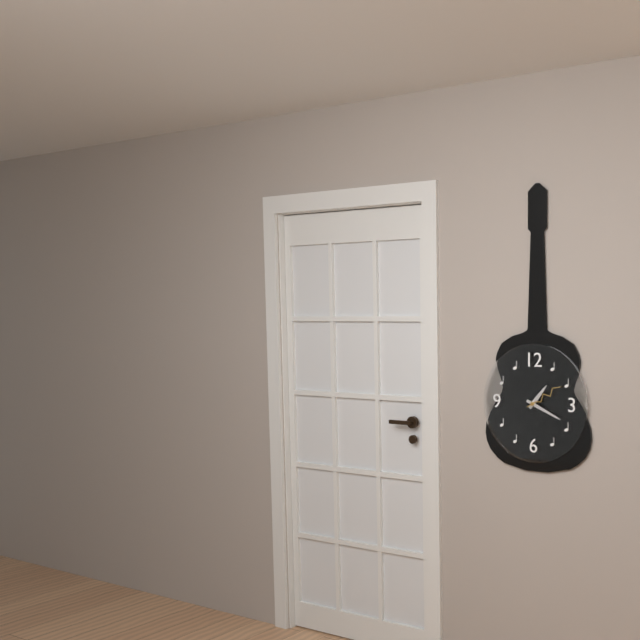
1:19
